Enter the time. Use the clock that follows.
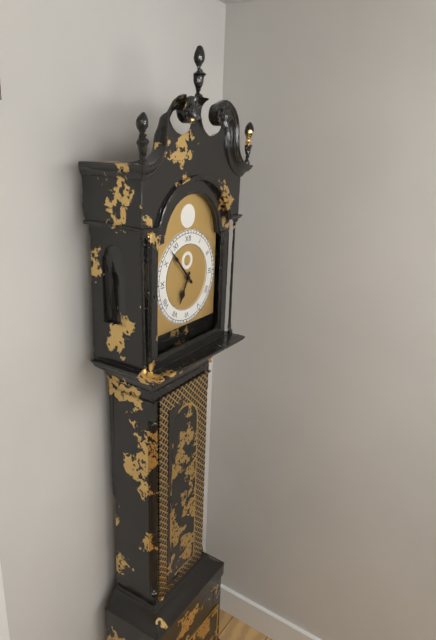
6:53
